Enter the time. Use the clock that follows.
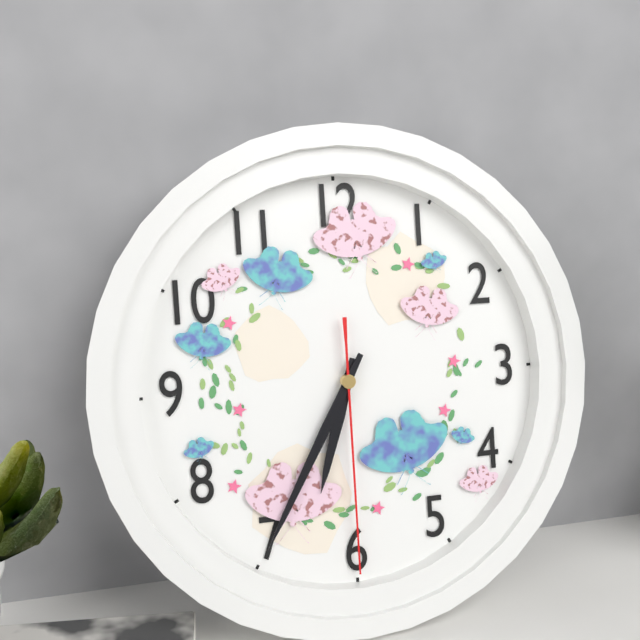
6:35:30
